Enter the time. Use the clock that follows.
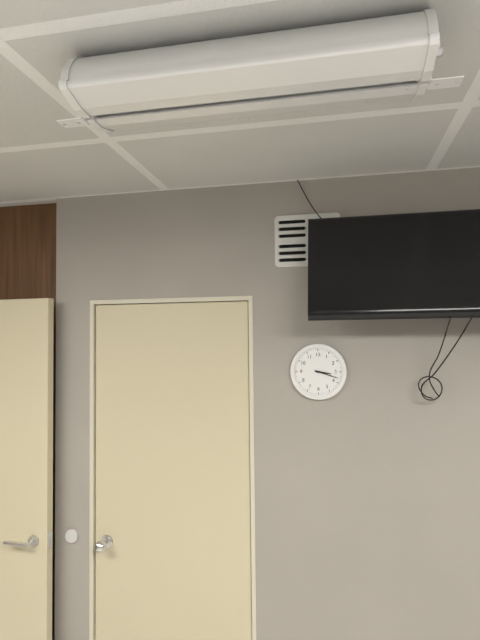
3:18
